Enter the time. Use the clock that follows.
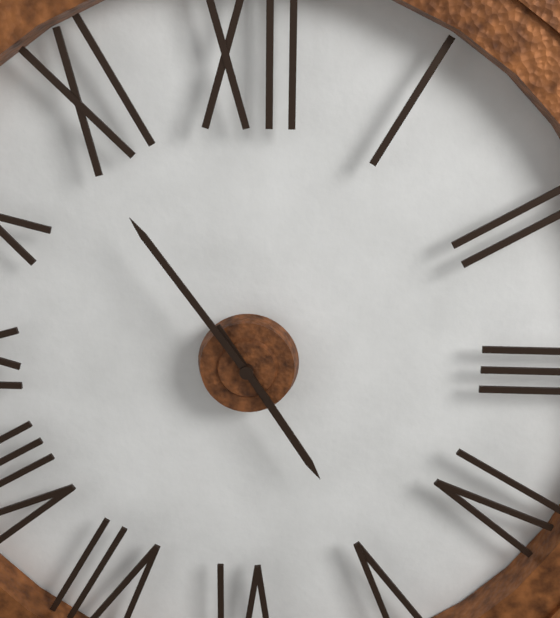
4:54
